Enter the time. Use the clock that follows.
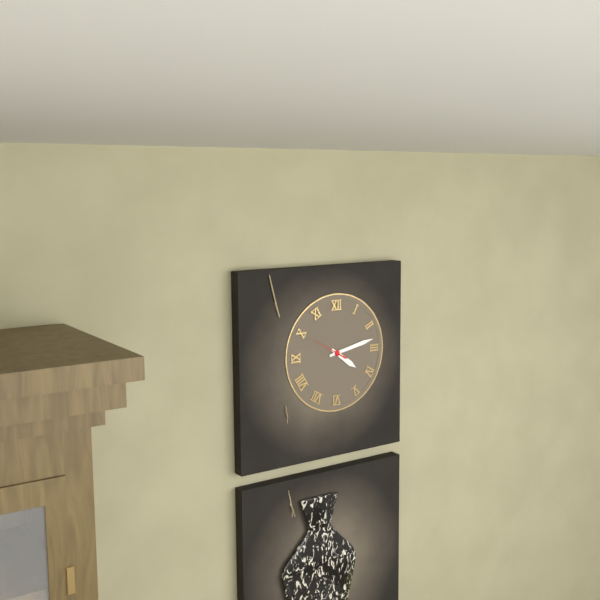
4:13
